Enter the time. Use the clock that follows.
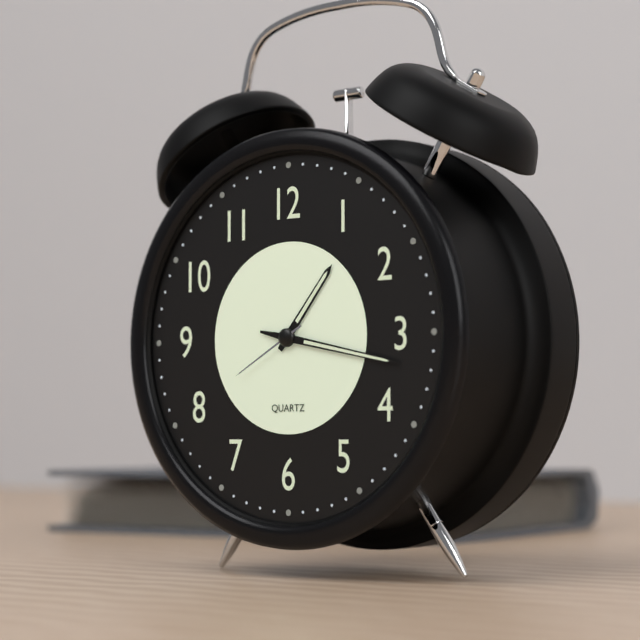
1:17:40
